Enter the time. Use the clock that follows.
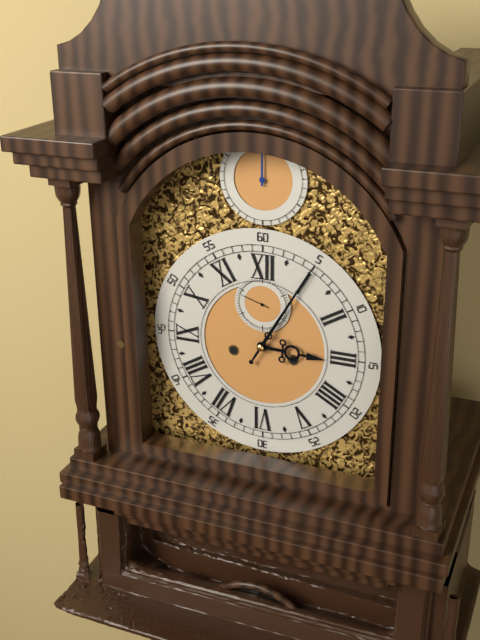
3:05
